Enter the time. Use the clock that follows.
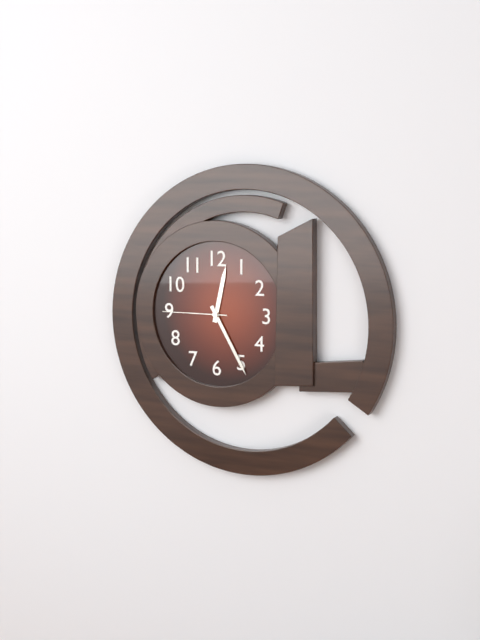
12:25:45
